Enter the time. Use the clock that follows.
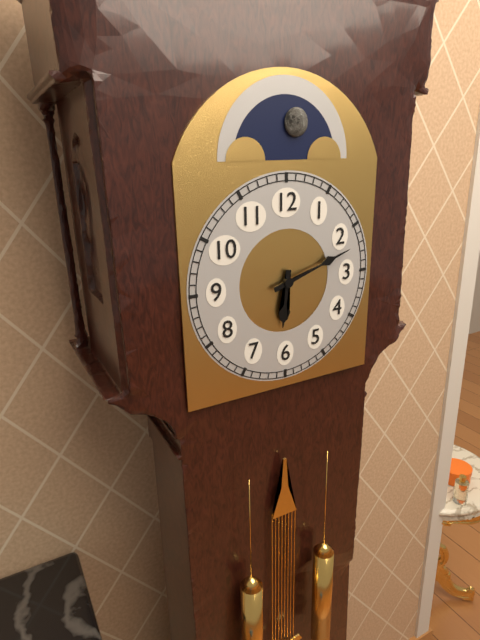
6:12
